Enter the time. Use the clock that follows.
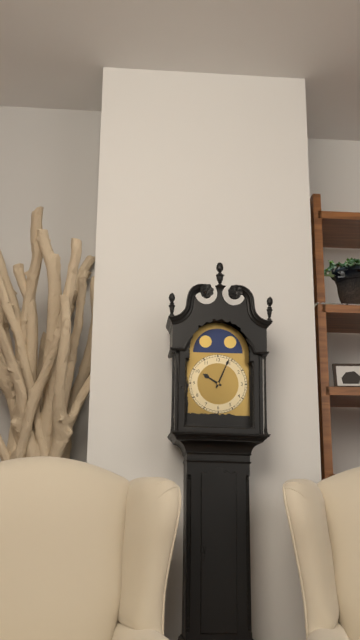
10:04
